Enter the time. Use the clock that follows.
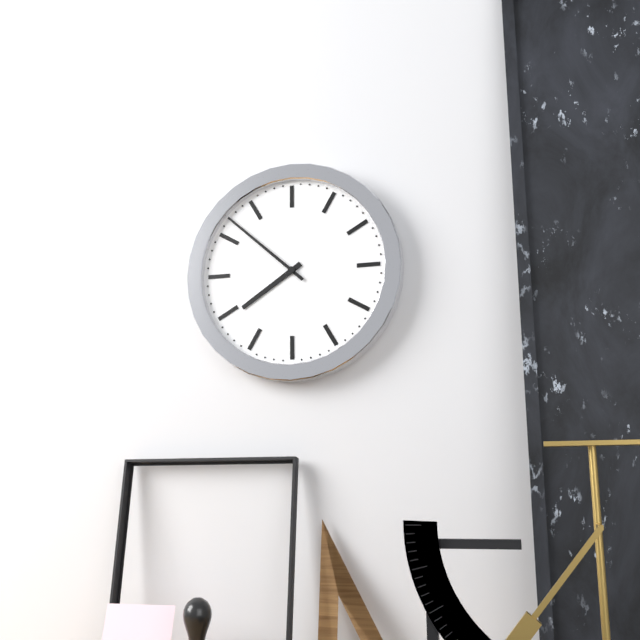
7:52
